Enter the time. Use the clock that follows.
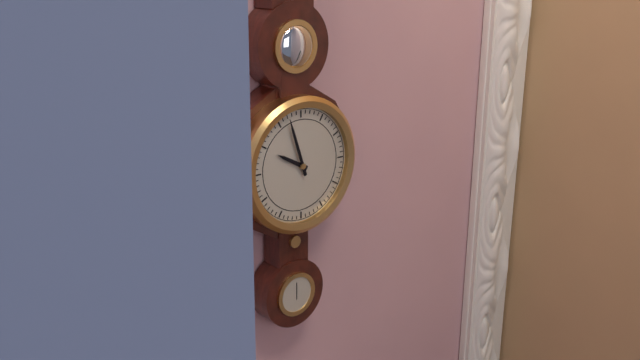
9:57
